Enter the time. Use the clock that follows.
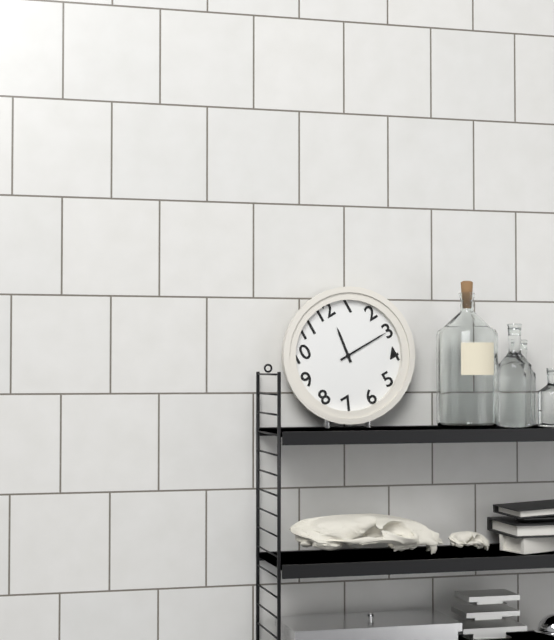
12:15
